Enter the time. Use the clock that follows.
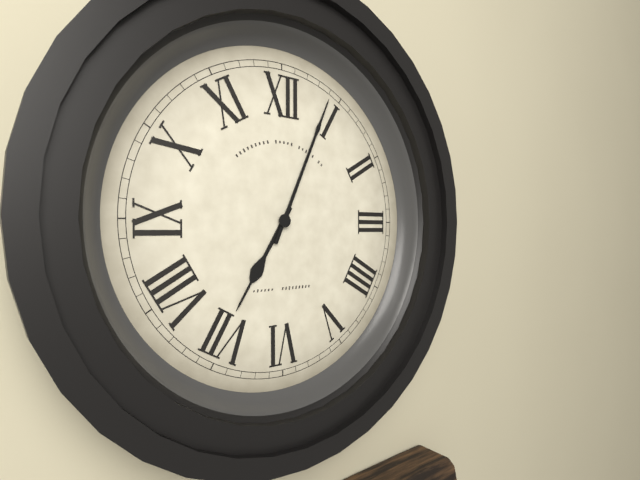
7:04
